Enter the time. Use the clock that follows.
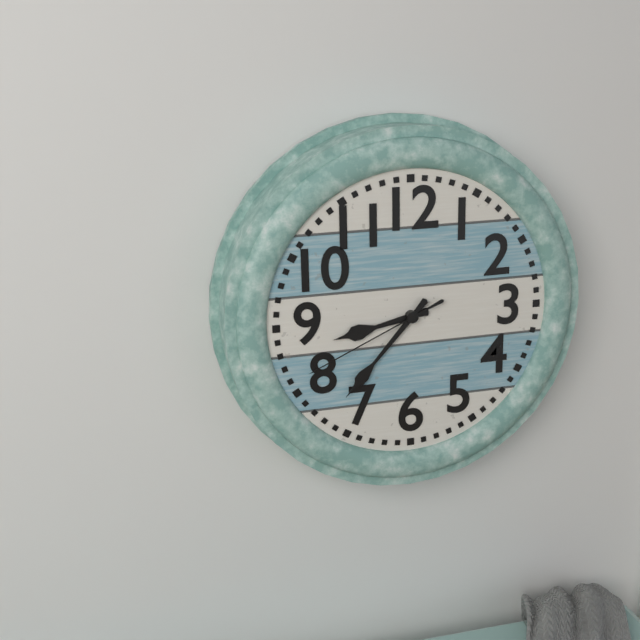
8:37:41
